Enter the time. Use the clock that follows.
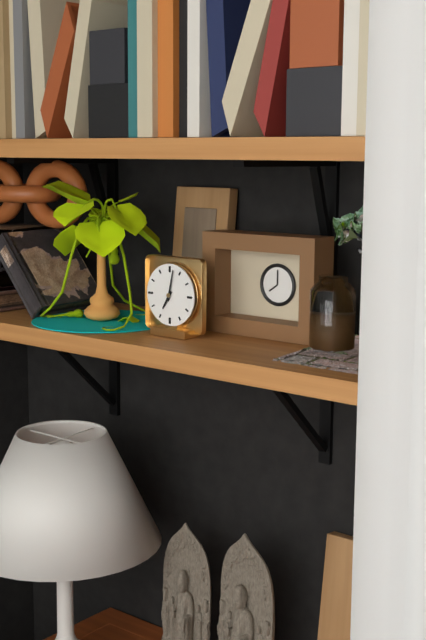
7:02
